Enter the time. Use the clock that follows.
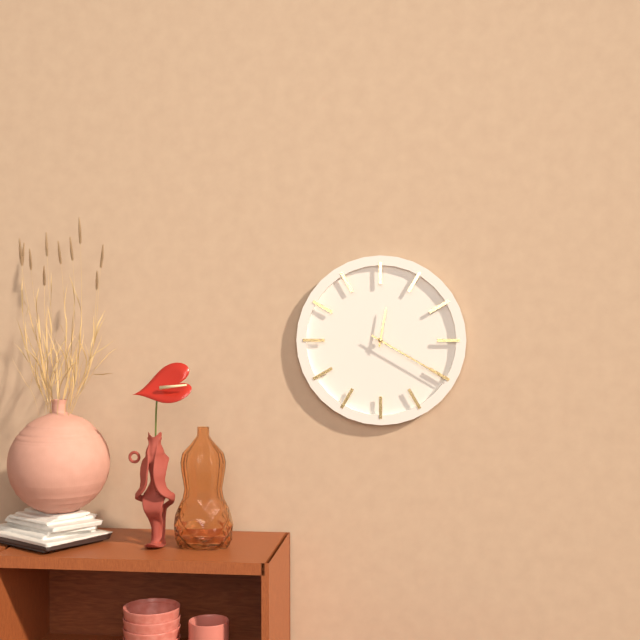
12:20
